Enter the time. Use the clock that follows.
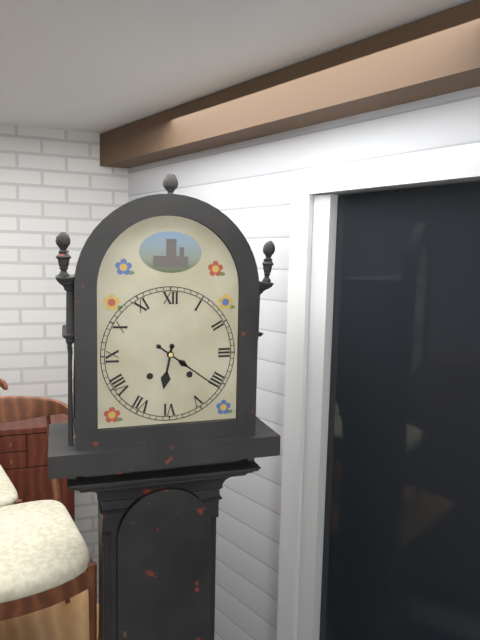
6:21
